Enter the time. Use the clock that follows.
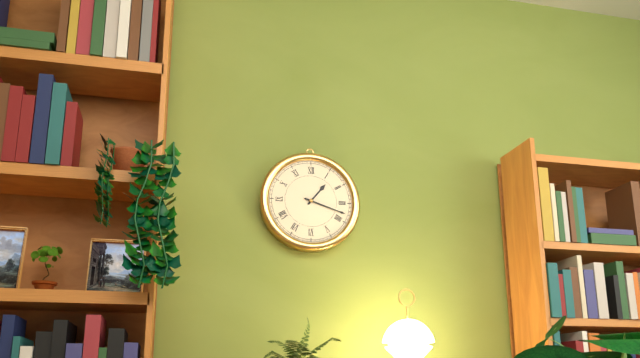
1:18
